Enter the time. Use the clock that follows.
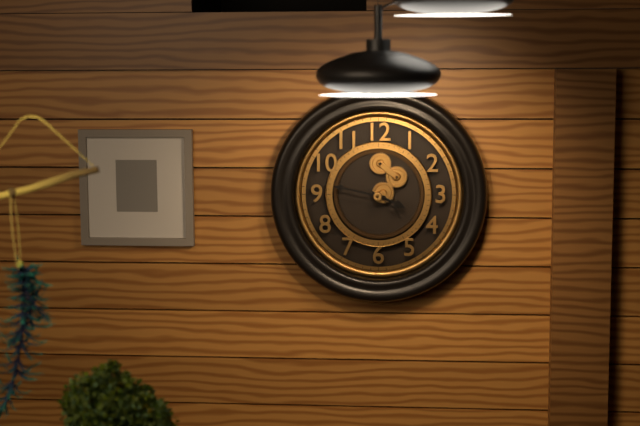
3:47:21
